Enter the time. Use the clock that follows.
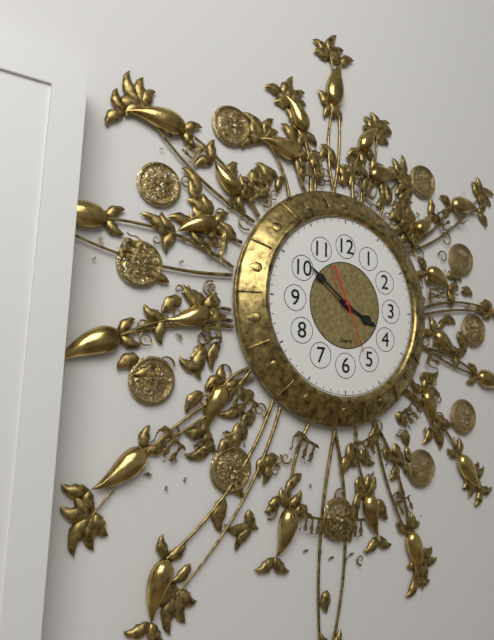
3:51:26
